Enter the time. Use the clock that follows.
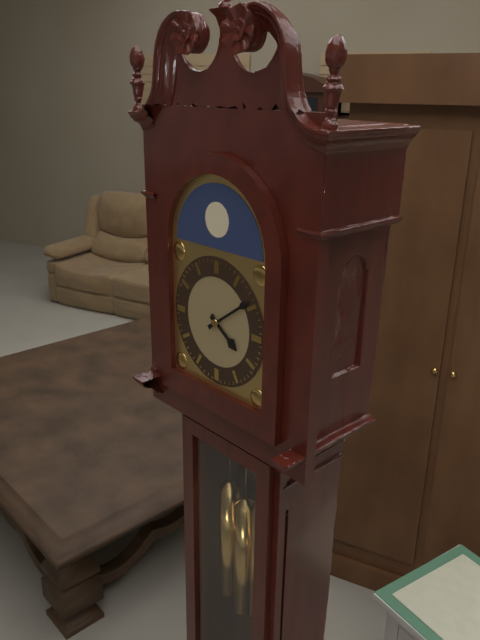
4:09
